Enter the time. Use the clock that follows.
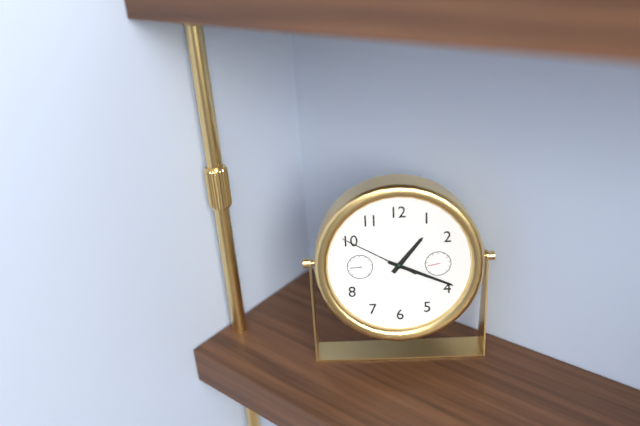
1:19:50
